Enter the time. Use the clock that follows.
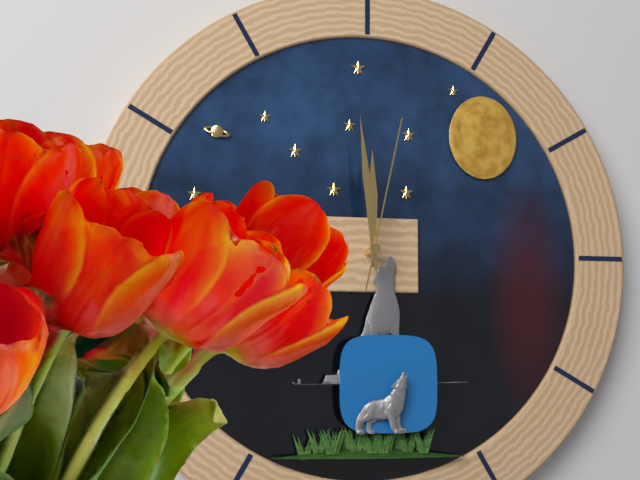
11:59:02
